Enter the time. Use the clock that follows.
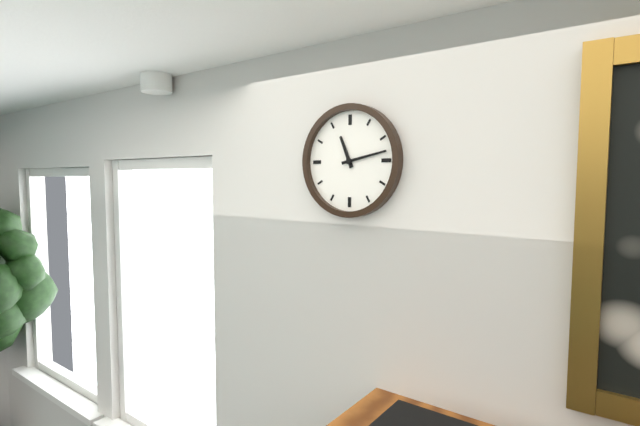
11:13
